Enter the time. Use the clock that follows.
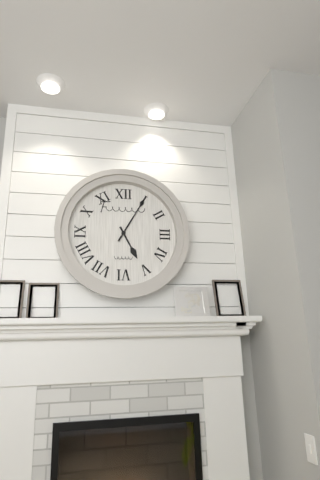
5:05
